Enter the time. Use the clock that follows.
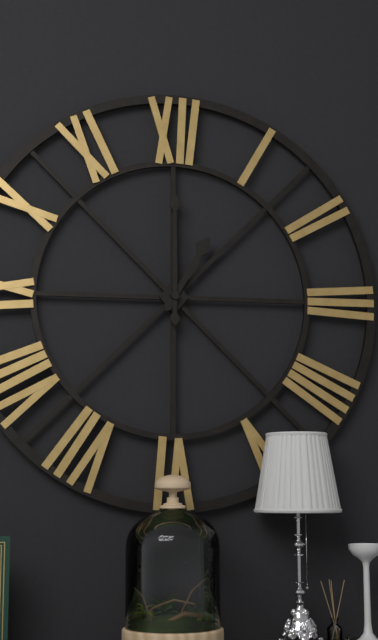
1:00
